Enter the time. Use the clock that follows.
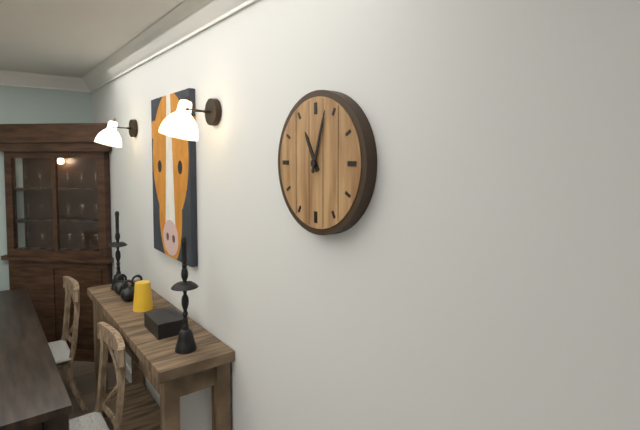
11:03
